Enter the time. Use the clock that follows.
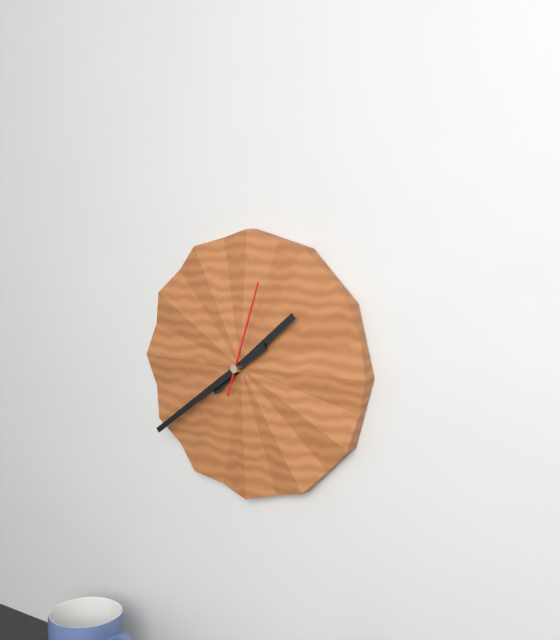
1:39:03
